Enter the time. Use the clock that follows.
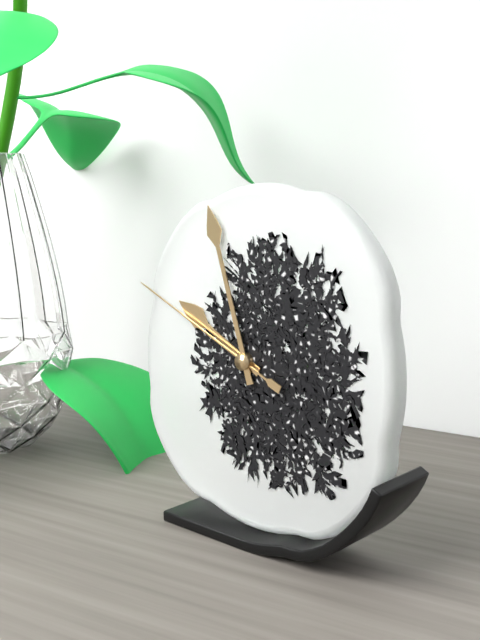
9:57:49
